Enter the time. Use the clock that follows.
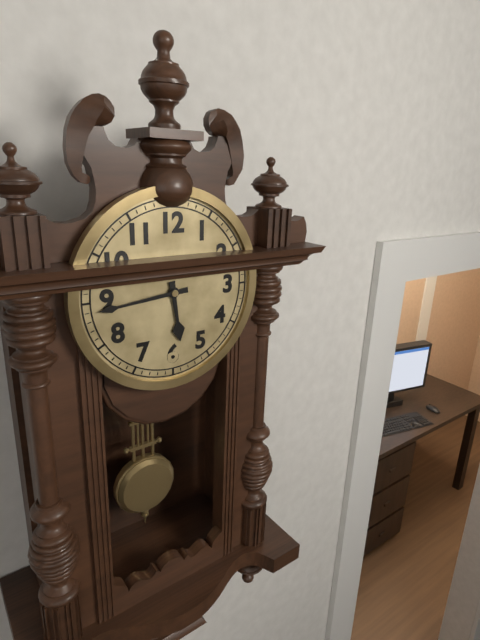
5:44
